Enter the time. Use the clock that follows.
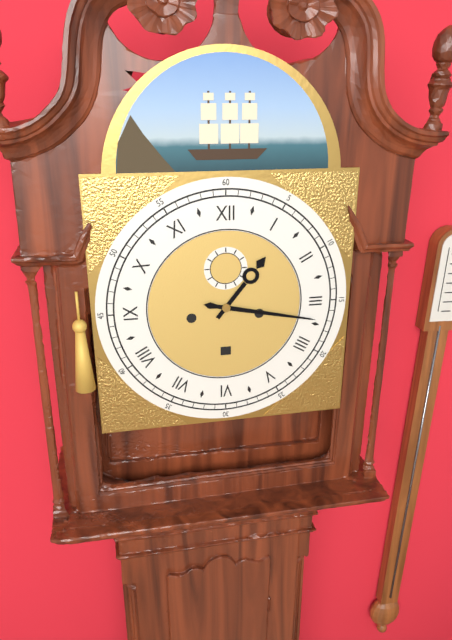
1:17
